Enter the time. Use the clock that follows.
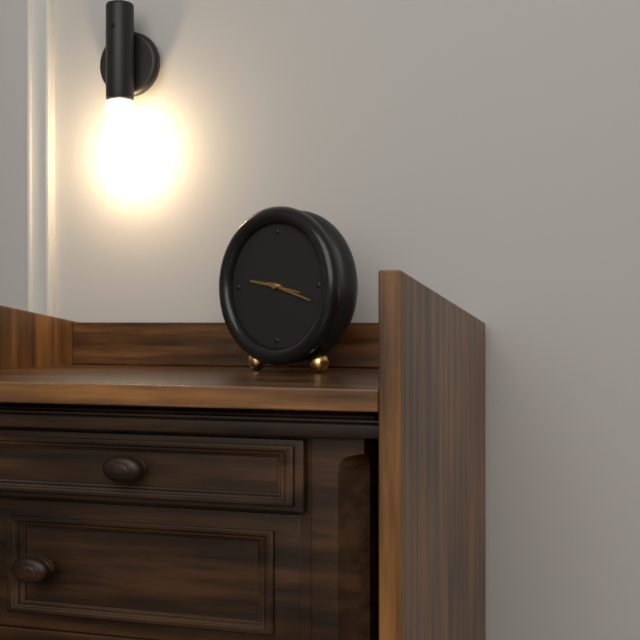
9:18
